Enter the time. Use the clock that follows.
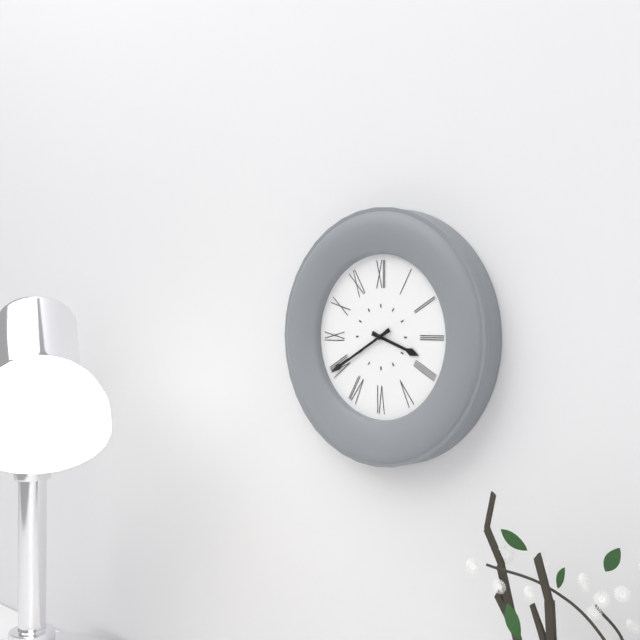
3:40
